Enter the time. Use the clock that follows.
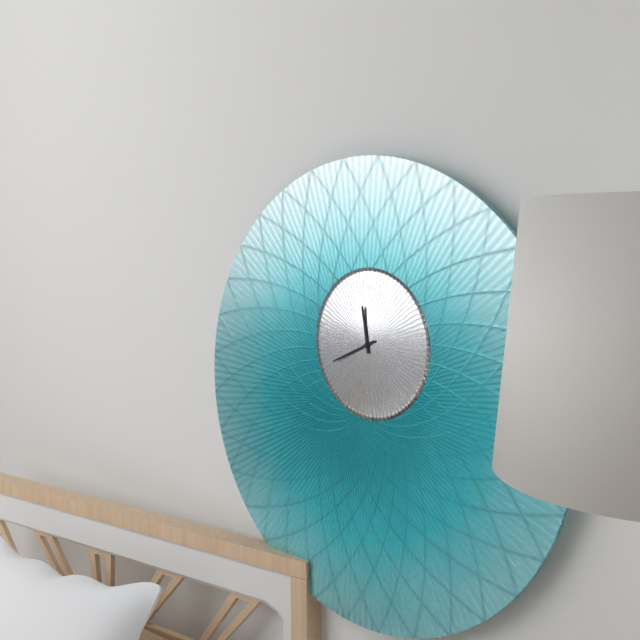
11:41
